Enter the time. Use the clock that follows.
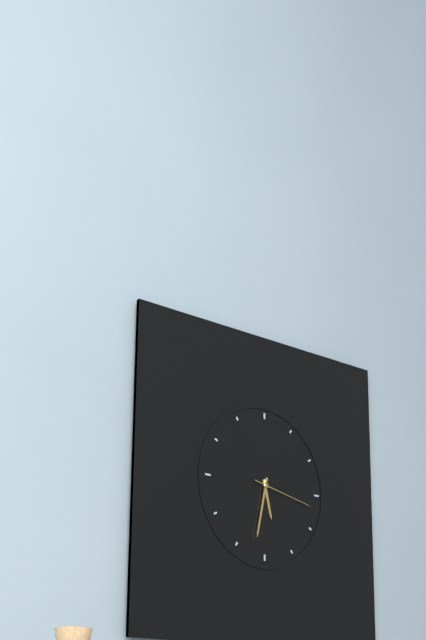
5:32:17
